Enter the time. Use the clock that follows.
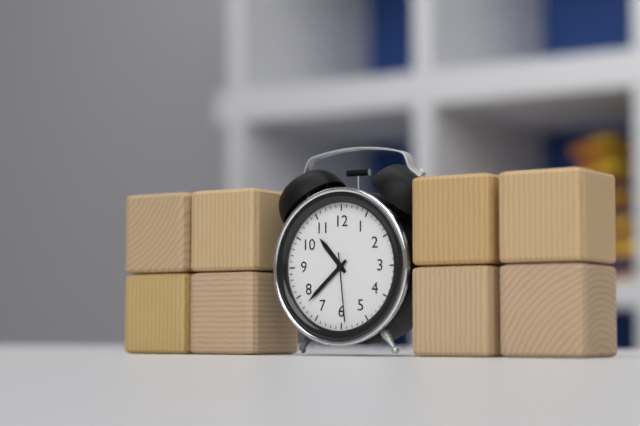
10:38:29
